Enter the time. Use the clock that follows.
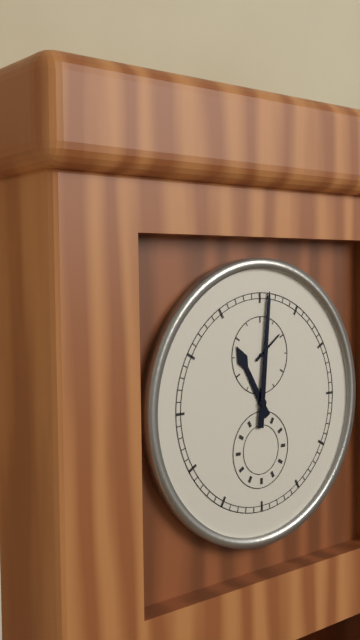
11:01
